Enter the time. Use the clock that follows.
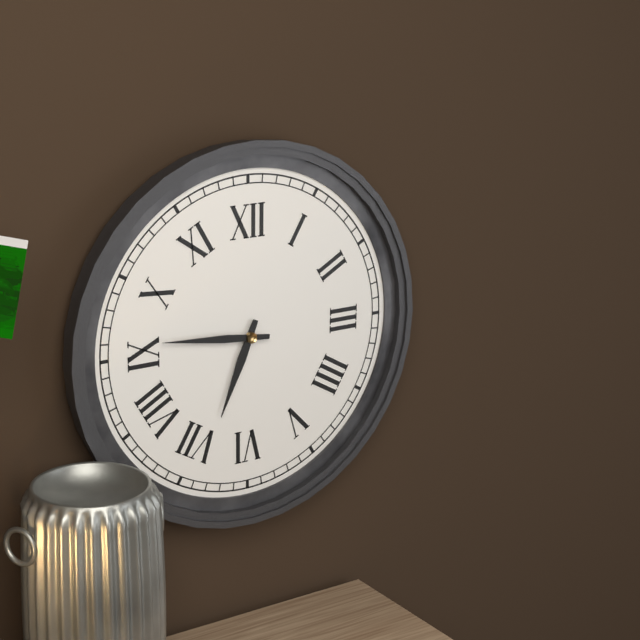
6:46
